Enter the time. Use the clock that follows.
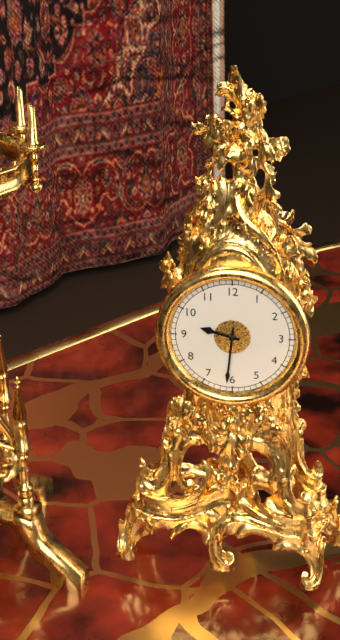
9:31
